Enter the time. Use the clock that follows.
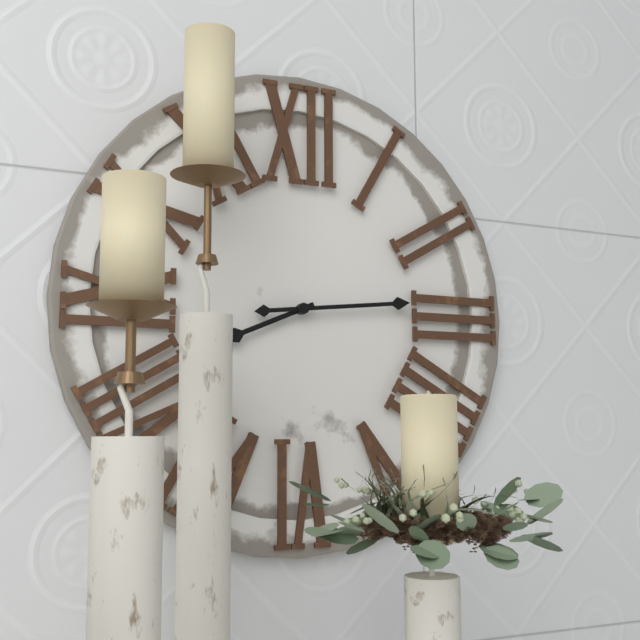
8:14
